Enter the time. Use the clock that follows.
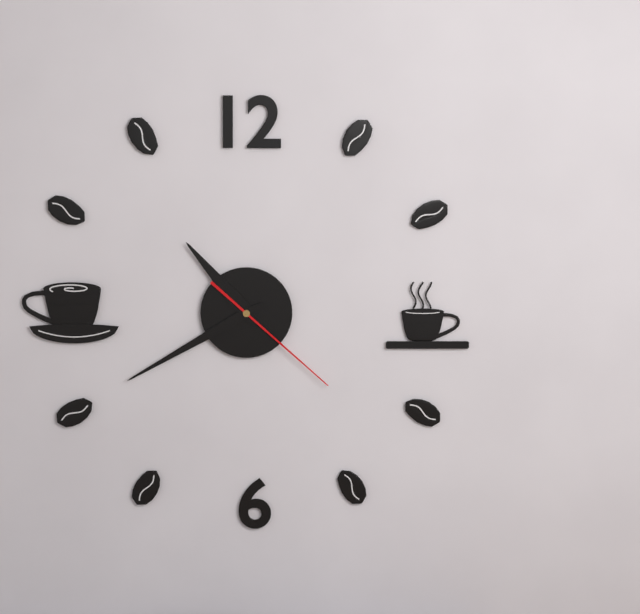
10:40:22
